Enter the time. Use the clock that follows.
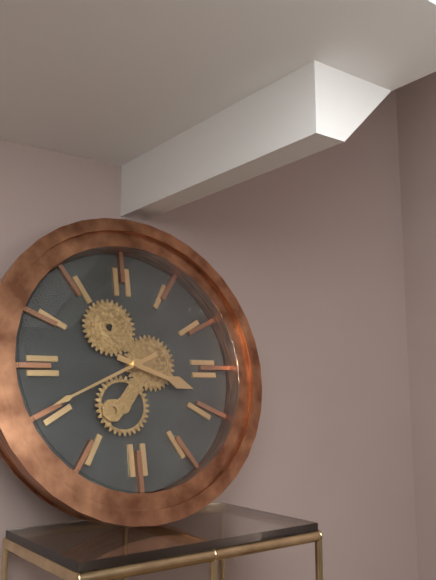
3:41
